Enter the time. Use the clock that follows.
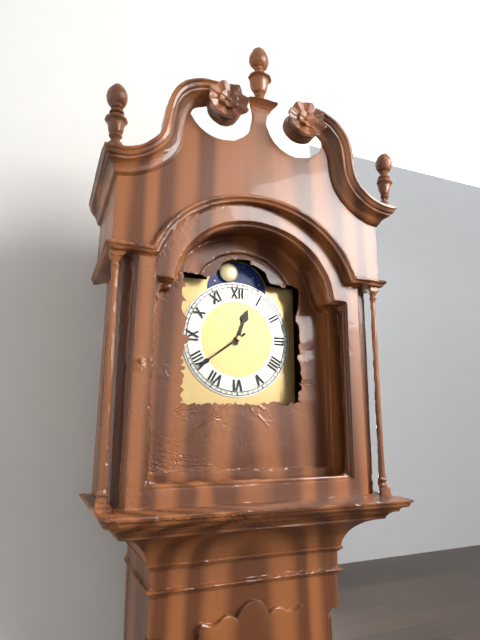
12:39
